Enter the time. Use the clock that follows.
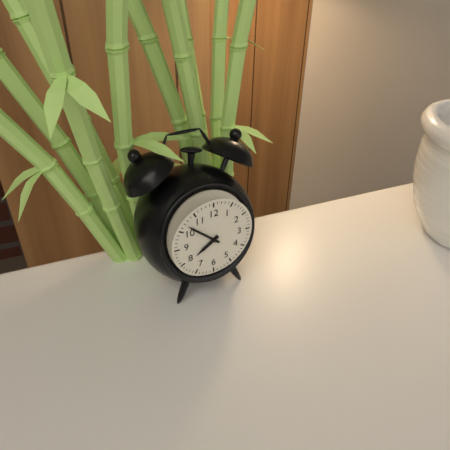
7:52
